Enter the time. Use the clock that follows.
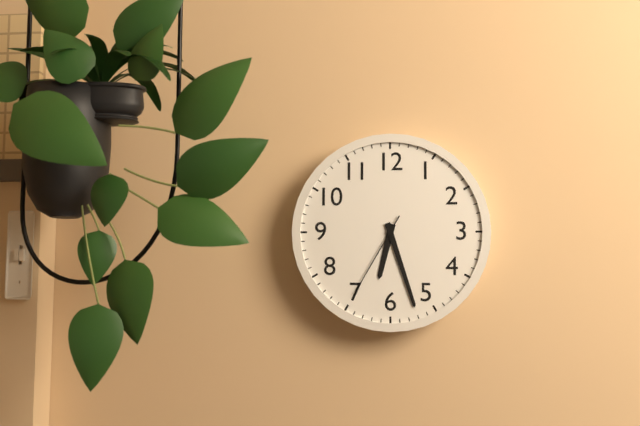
6:27:35
